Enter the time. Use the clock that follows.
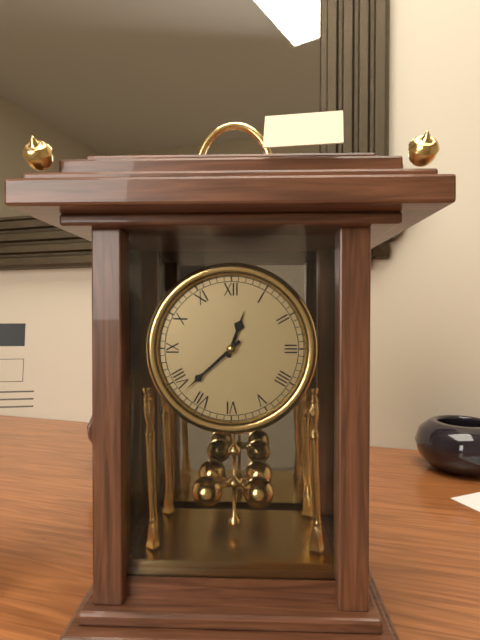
12:38
